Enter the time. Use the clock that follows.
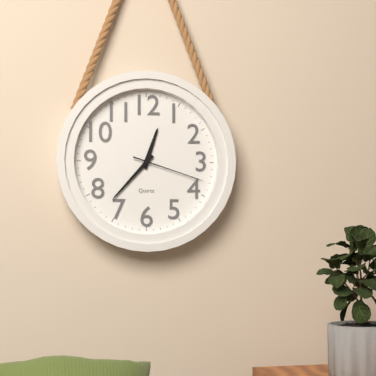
12:37:18
